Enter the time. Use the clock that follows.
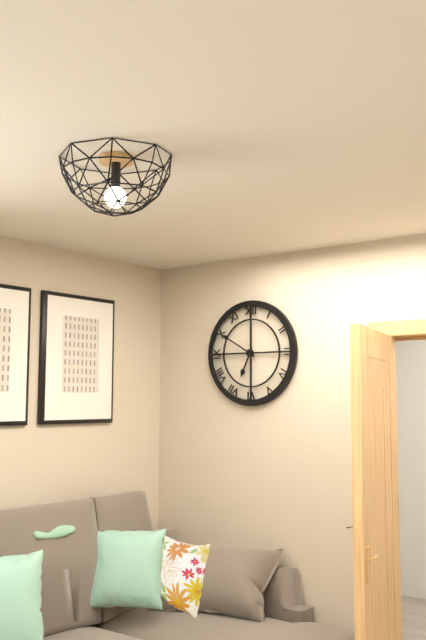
6:50
